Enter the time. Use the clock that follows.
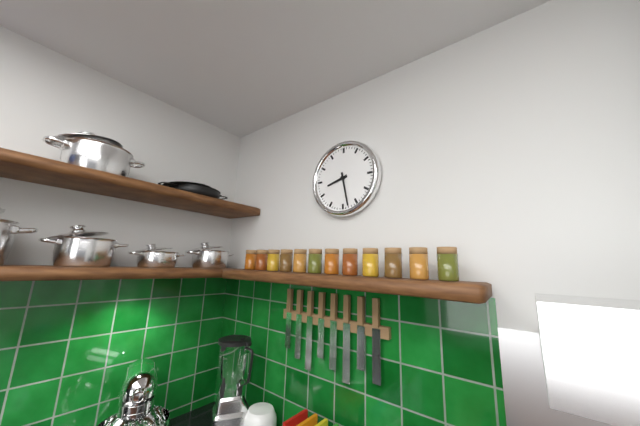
8:28
